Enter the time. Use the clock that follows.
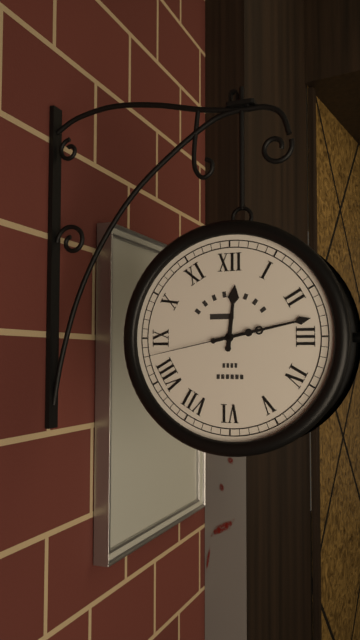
12:13:43
